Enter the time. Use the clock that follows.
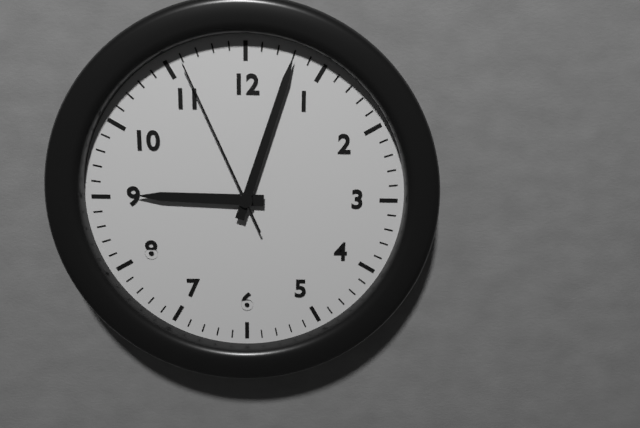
9:03:56
